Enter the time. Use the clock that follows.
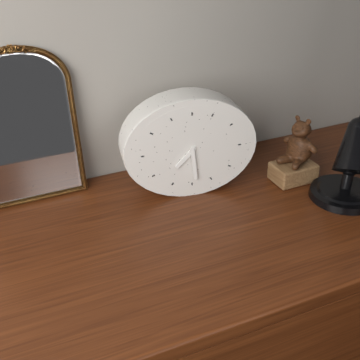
7:29
